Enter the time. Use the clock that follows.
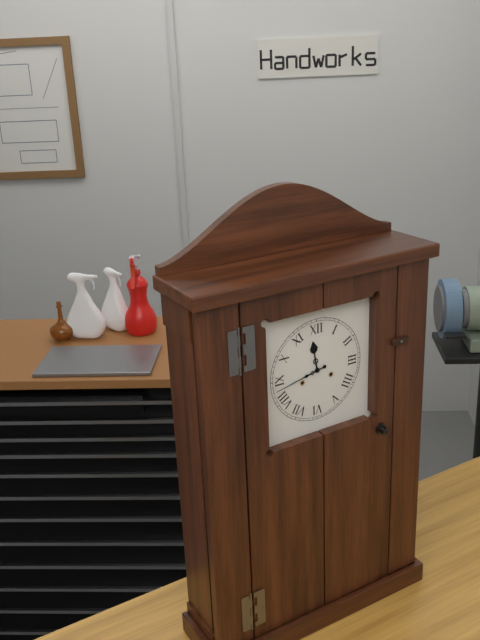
11:43
